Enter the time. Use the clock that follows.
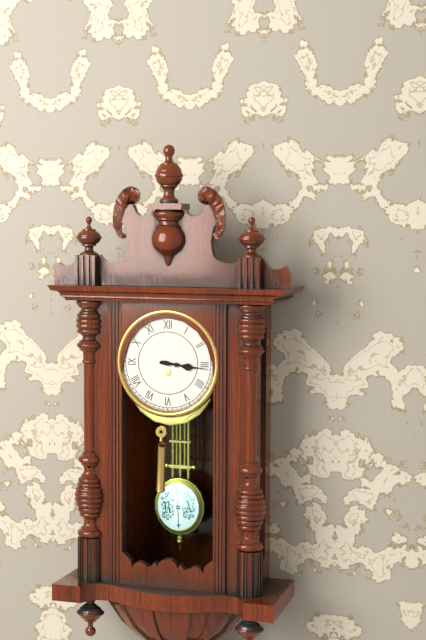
3:16
